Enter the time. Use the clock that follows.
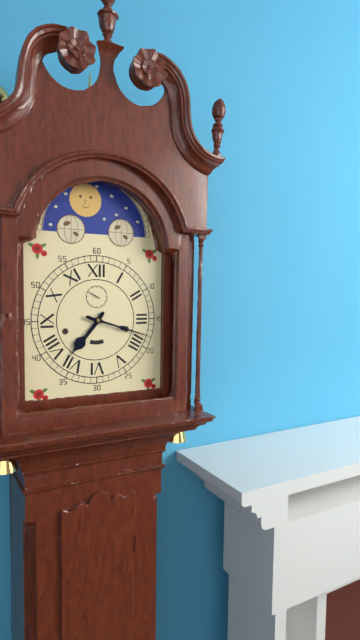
7:18
